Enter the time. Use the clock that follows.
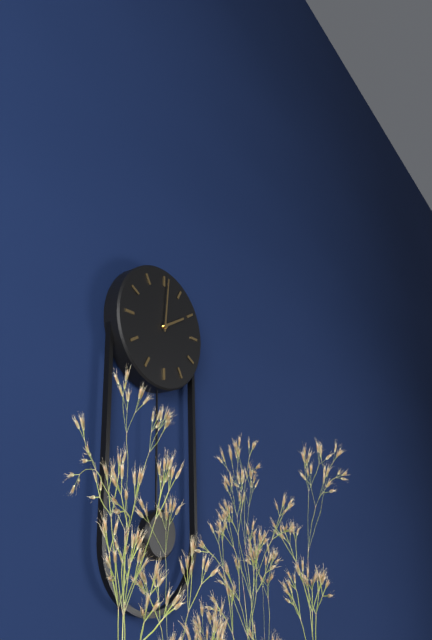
2:01
